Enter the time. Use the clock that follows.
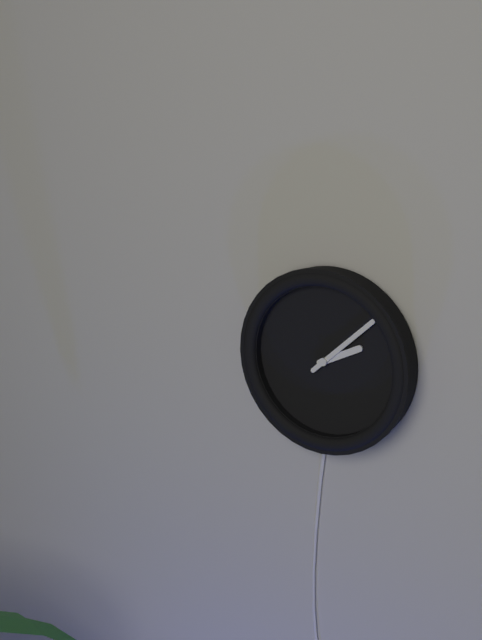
2:08
